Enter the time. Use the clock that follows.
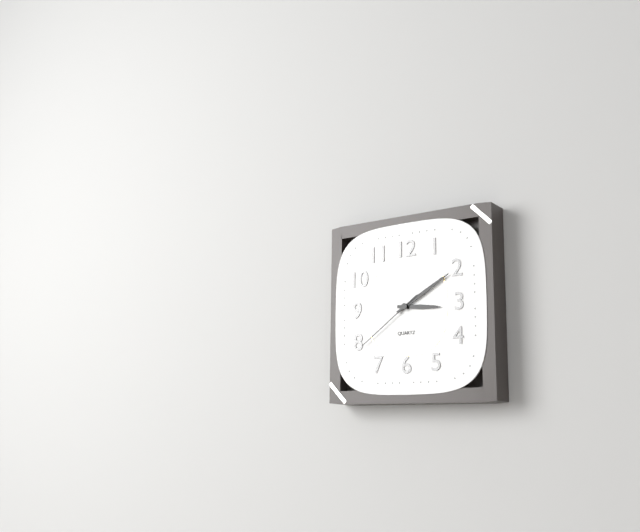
3:10:39
